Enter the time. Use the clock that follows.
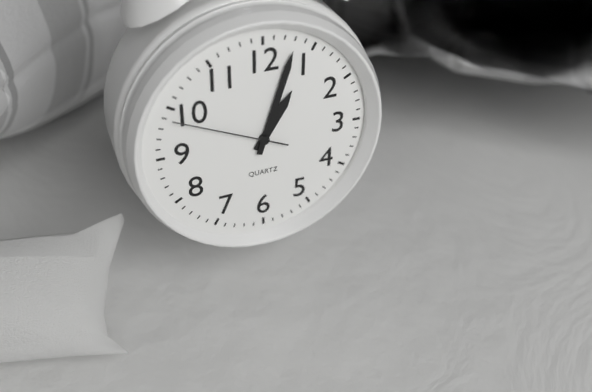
1:03:49
